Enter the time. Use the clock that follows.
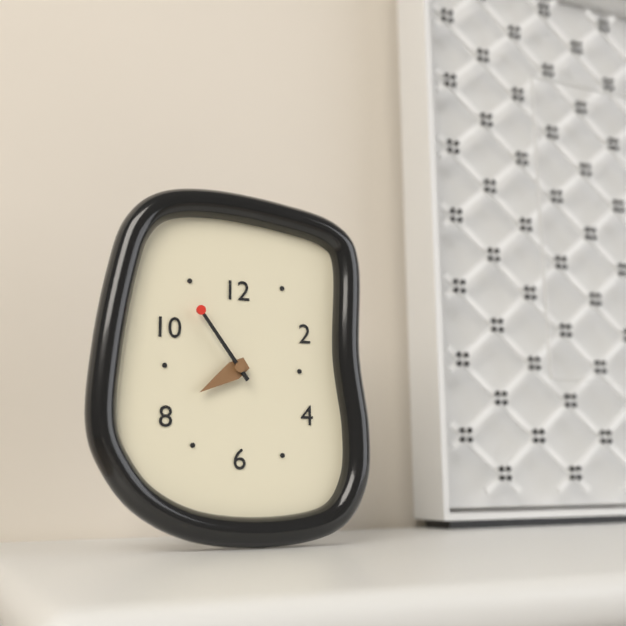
7:54
